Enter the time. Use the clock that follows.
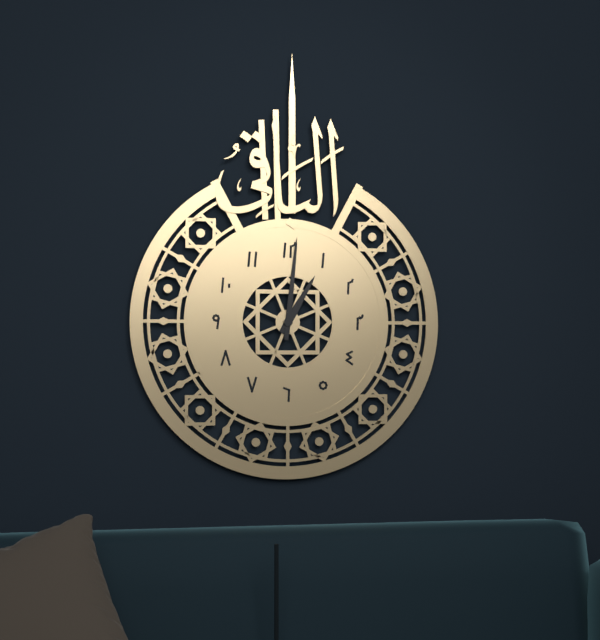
1:01
